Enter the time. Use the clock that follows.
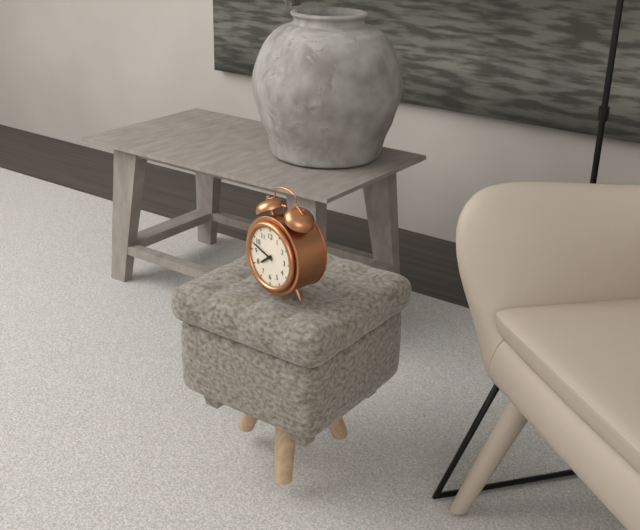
7:48
